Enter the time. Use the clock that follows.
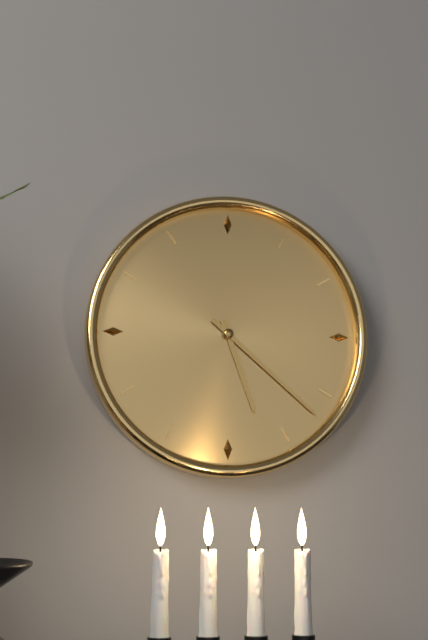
5:22
